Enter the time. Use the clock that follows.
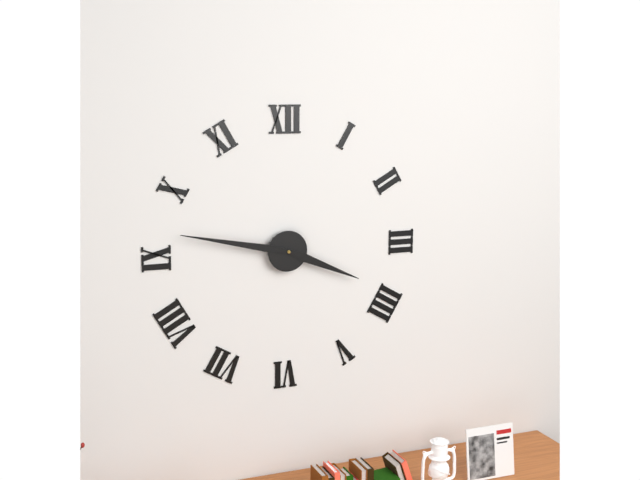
3:47
